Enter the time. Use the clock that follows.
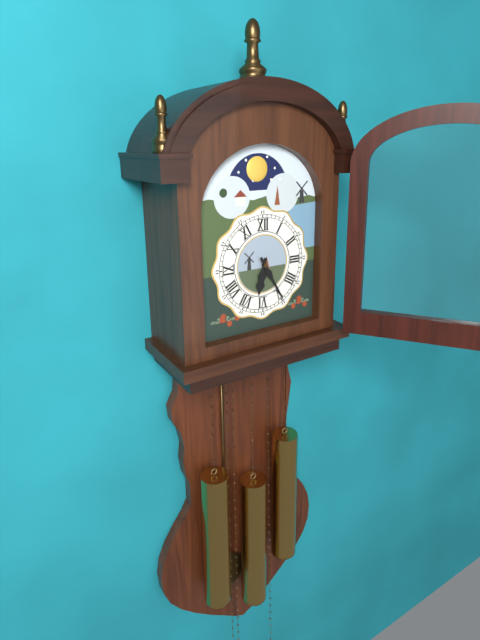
6:25
